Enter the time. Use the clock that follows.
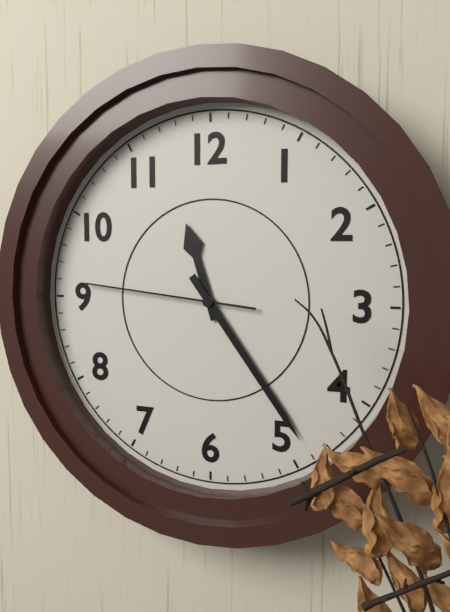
11:24:46
